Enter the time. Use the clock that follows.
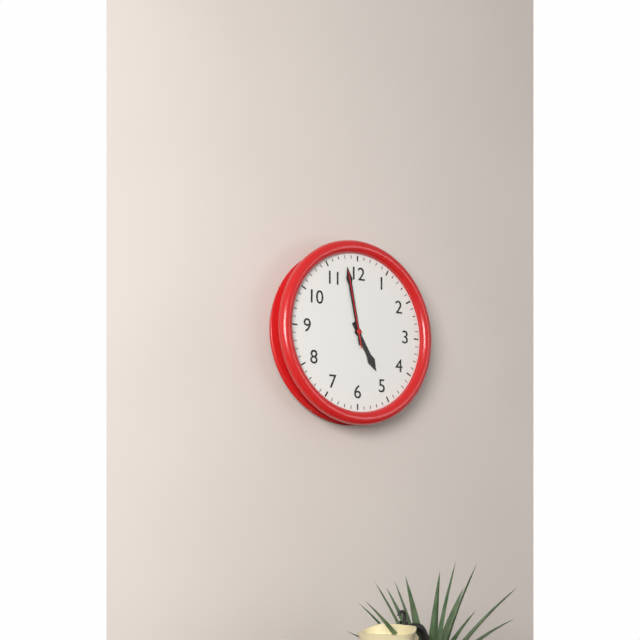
4:58:58
